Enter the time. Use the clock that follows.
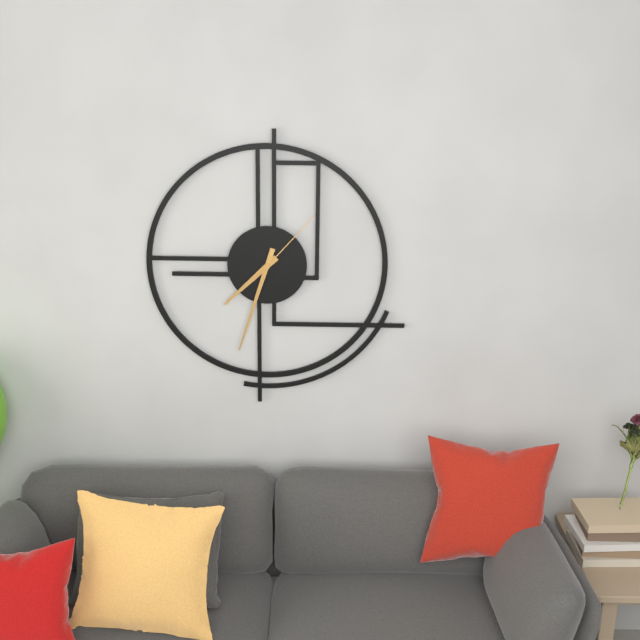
7:33:07
